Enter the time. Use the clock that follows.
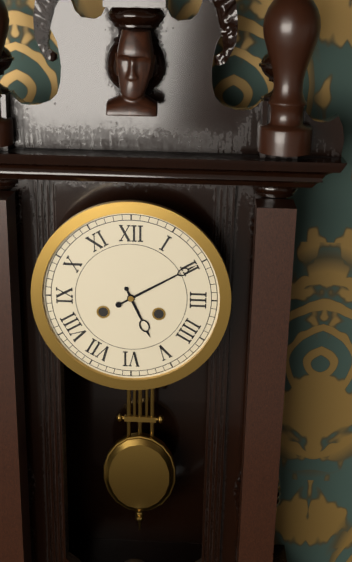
5:10
